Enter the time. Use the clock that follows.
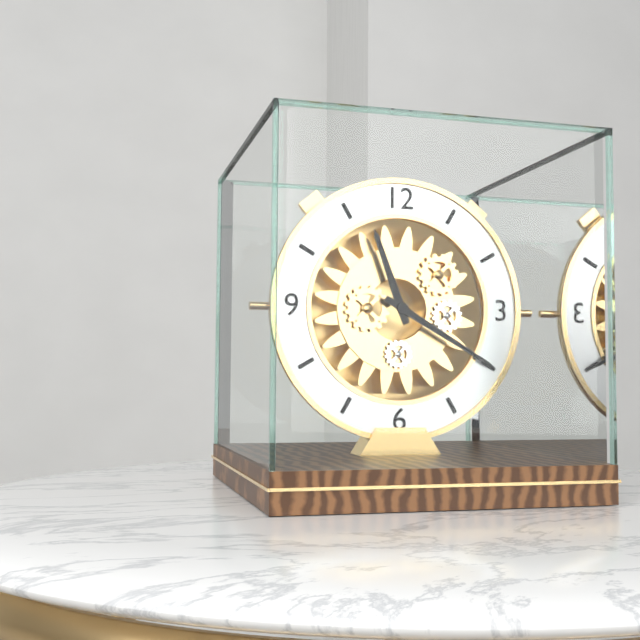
11:20
